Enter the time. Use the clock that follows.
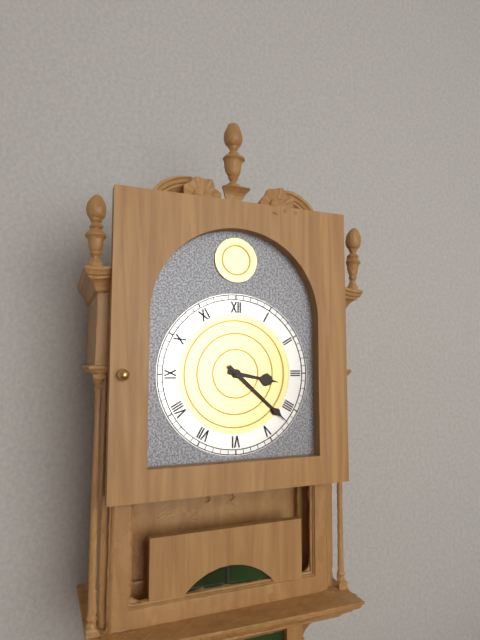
3:22
